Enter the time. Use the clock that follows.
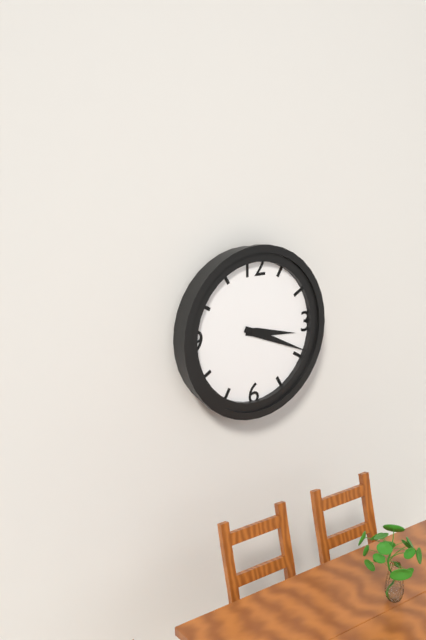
3:19
